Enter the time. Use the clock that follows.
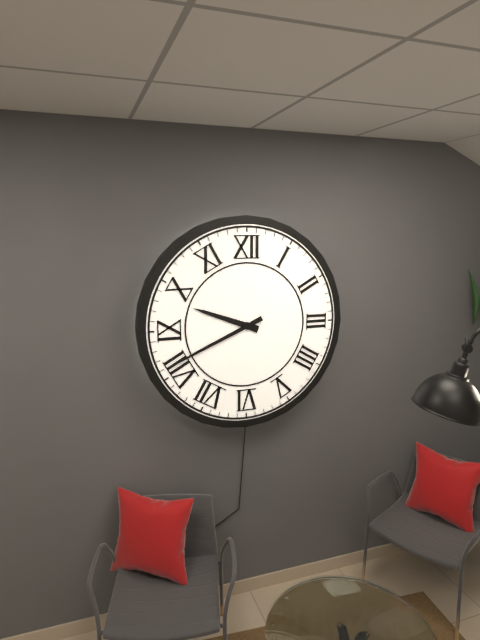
9:41
